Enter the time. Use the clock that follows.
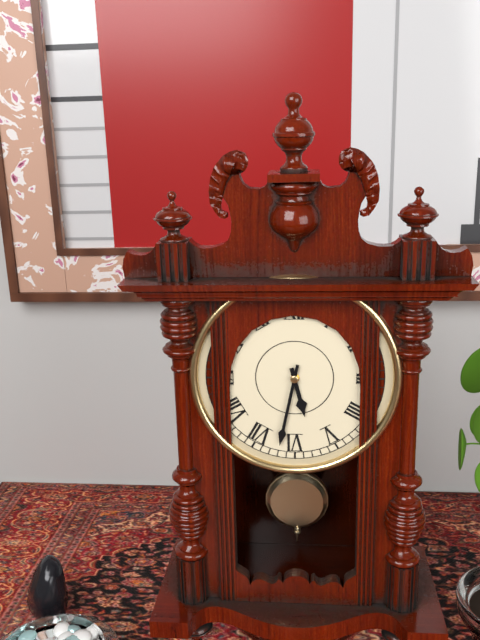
5:32
